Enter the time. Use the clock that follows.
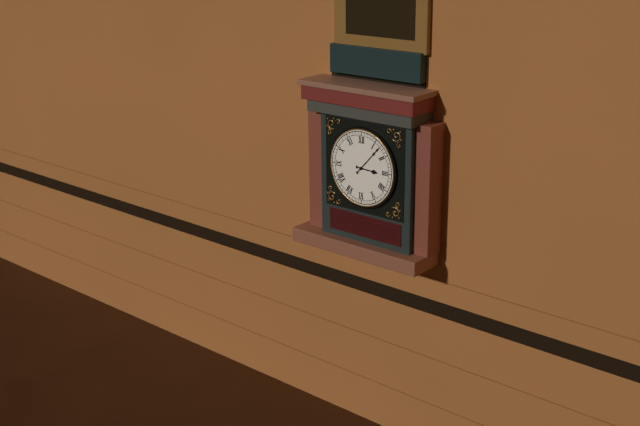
3:07
